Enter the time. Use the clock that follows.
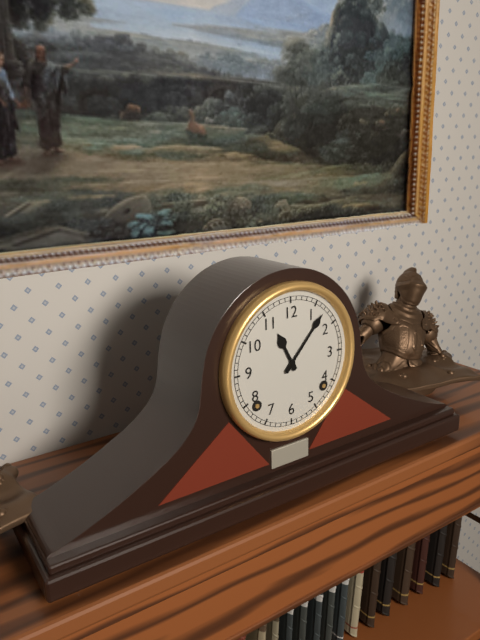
11:07
